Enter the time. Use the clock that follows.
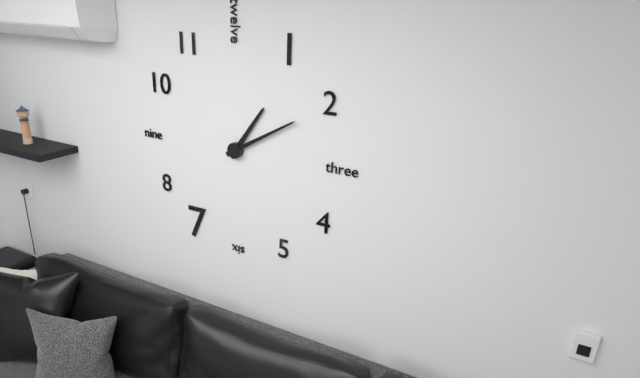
1:10
